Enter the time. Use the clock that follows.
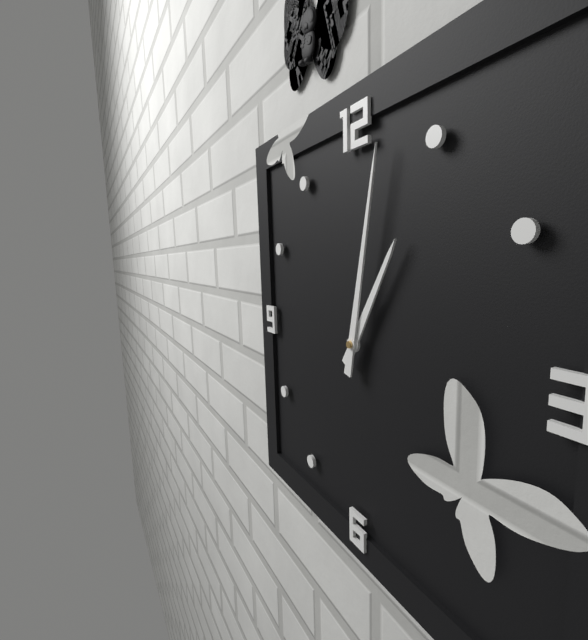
1:02
